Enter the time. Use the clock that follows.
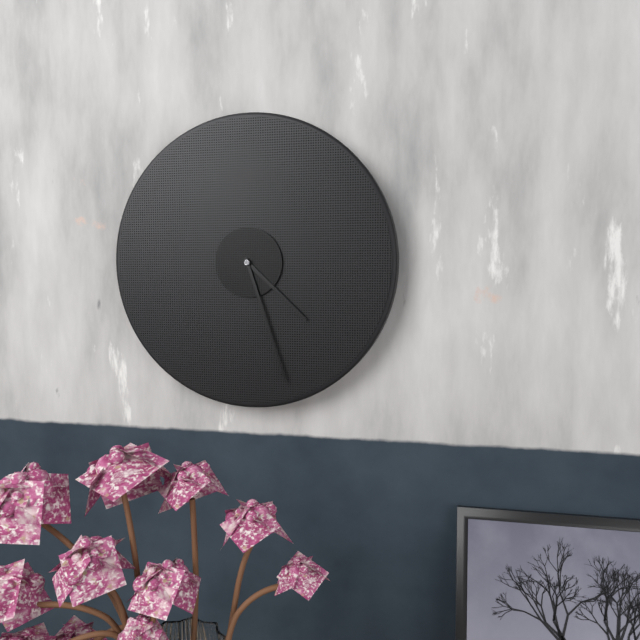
4:27
